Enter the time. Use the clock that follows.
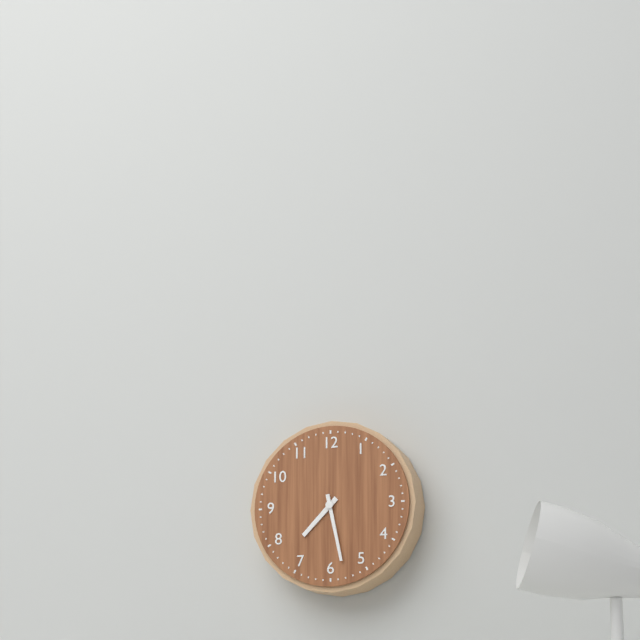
7:28
